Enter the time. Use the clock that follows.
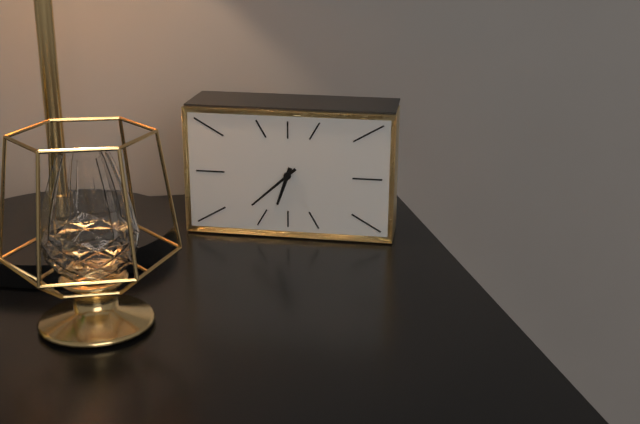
6:38
